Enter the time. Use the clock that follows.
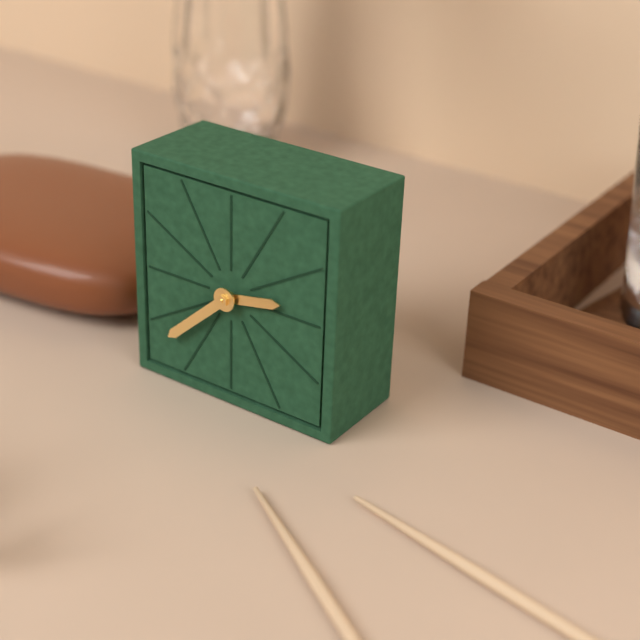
2:38
